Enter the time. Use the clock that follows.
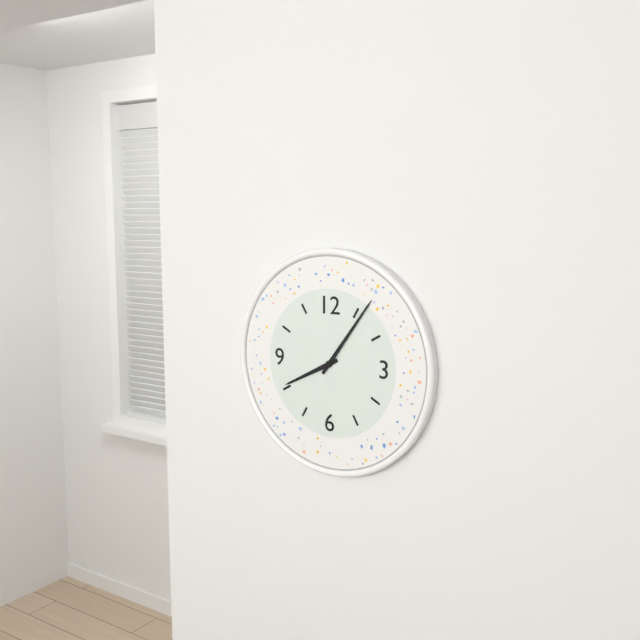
8:06
